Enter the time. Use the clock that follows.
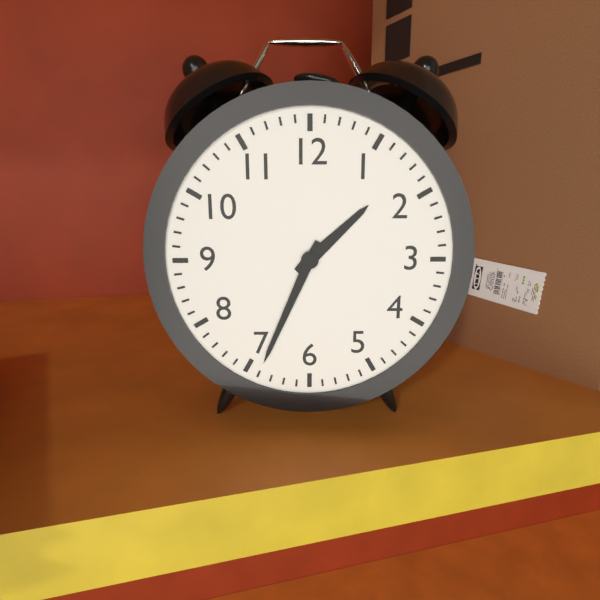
1:34
